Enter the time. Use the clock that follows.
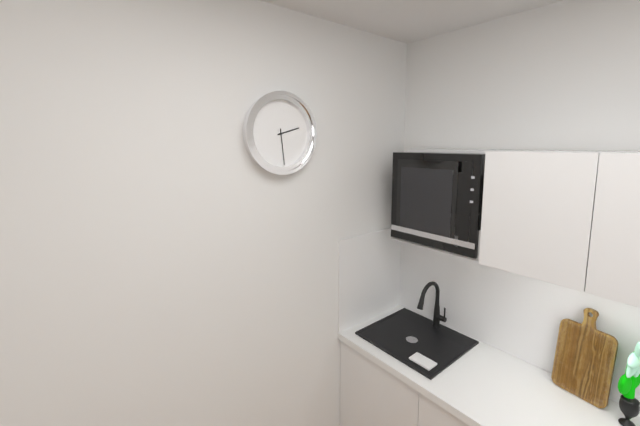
2:29
